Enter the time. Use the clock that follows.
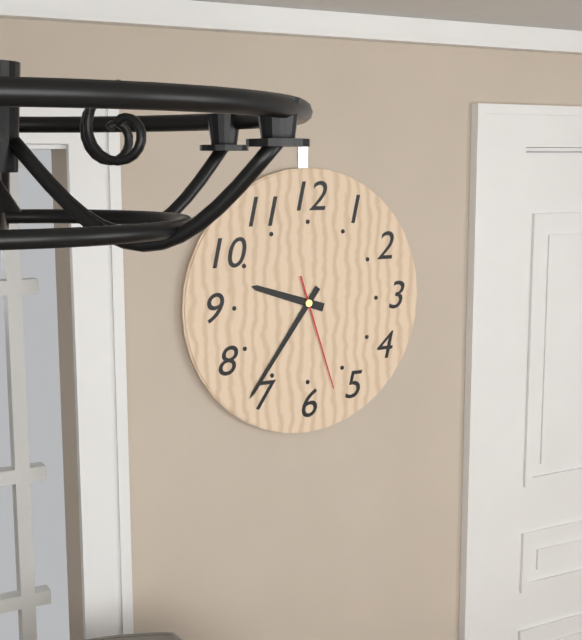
9:36:27
